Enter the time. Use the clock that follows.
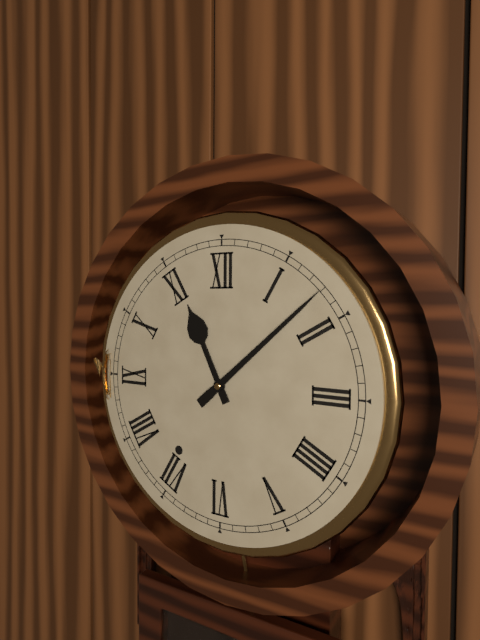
11:08
